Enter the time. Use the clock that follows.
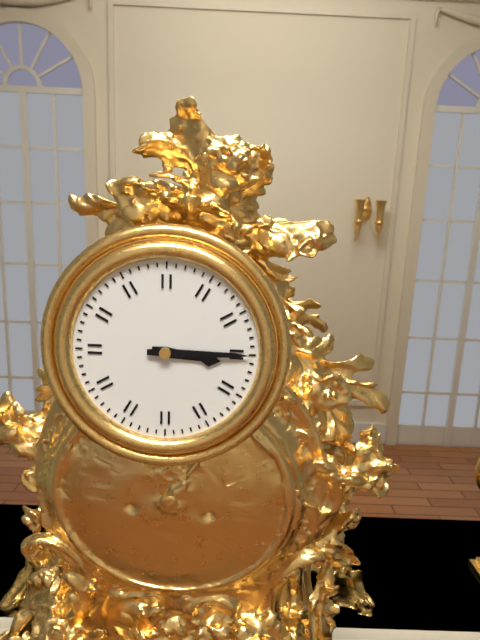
3:15
